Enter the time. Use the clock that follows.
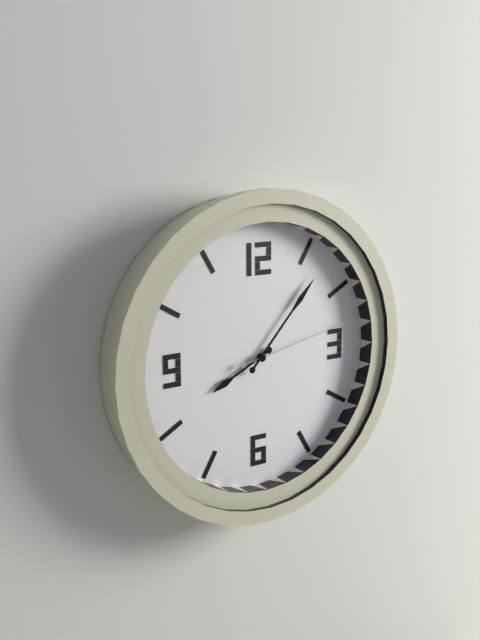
8:07:13
